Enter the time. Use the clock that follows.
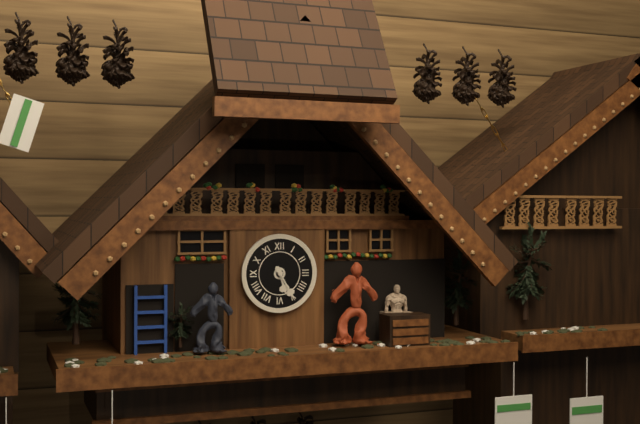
5:25
